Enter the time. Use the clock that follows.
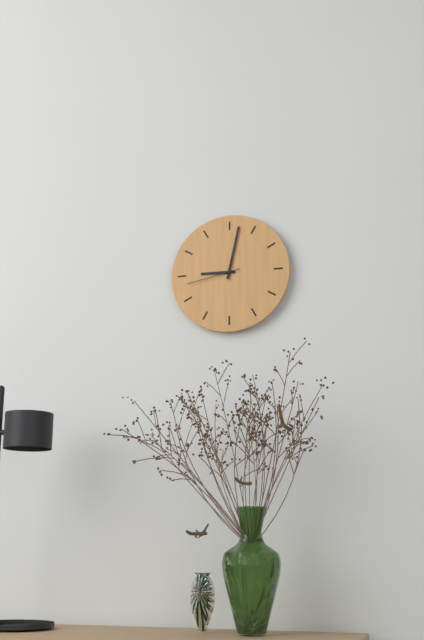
9:02:43
